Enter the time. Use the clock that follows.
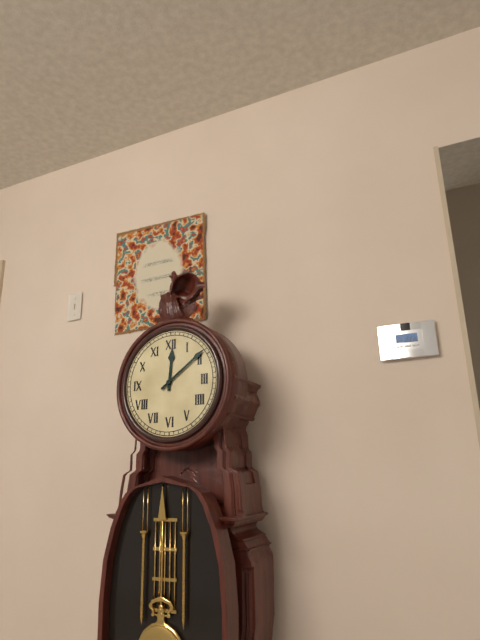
12:09
